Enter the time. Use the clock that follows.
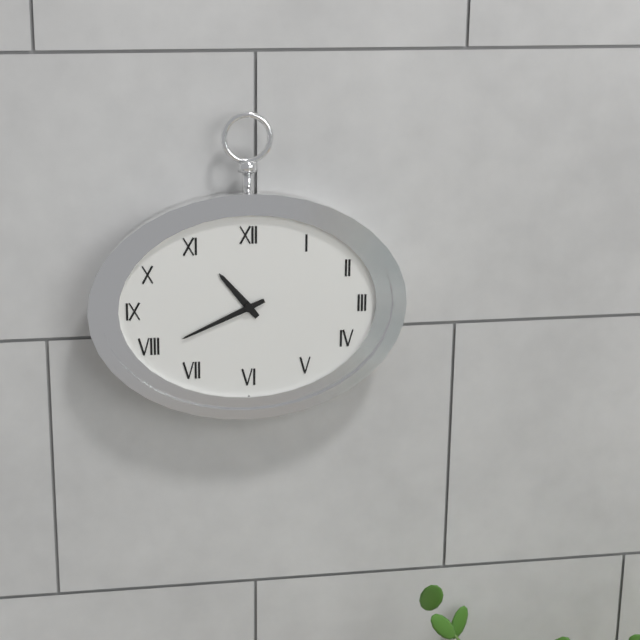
10:41
